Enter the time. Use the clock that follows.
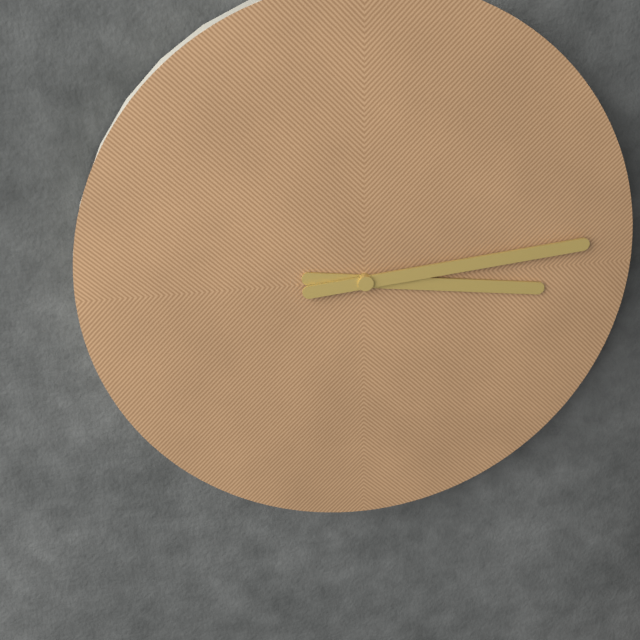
3:14
